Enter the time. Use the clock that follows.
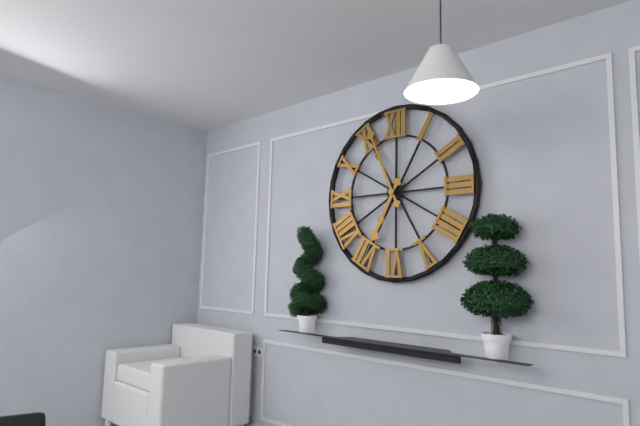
6:56
